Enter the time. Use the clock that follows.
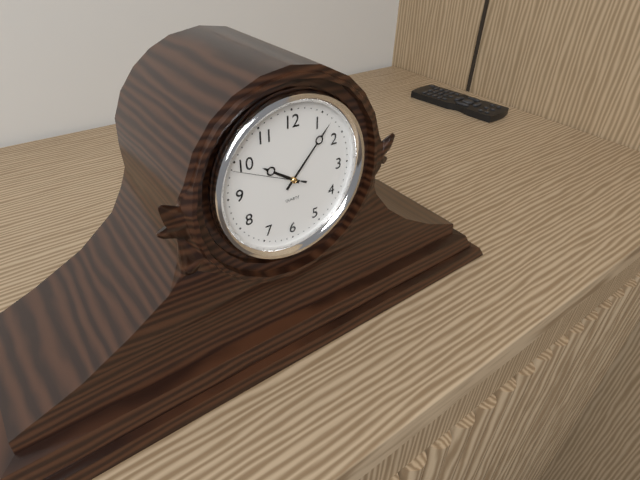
10:07:49
